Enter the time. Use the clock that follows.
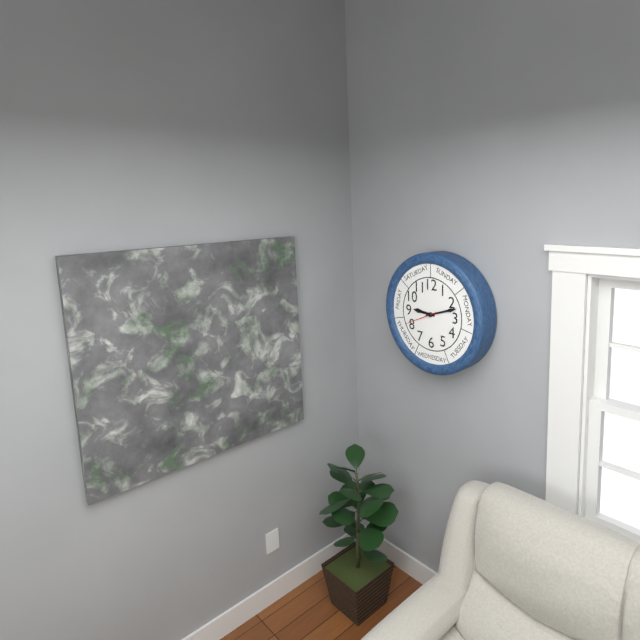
9:12
